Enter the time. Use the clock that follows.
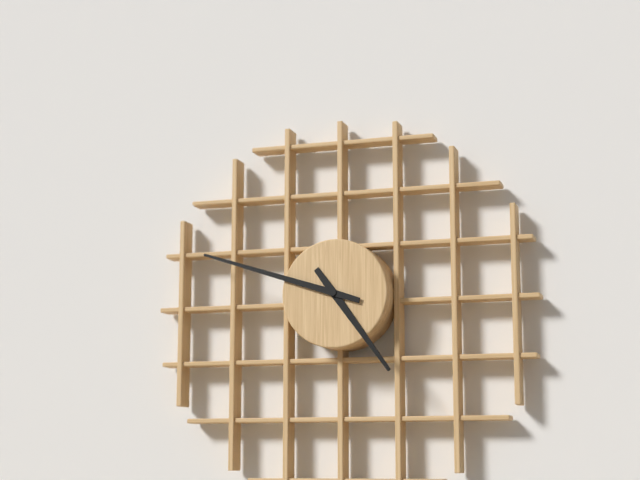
4:48
